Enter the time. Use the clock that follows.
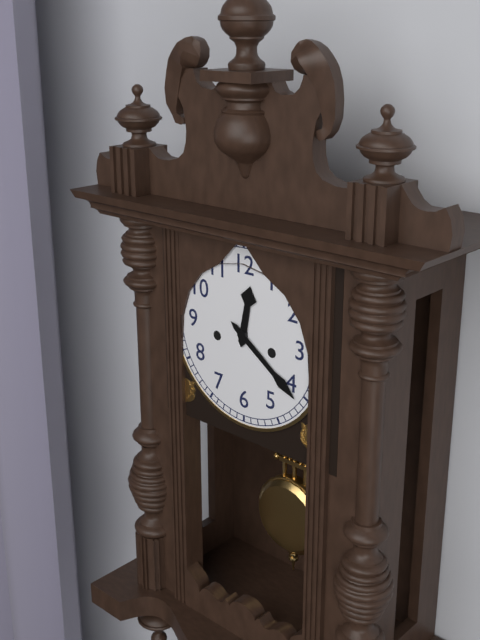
12:21
